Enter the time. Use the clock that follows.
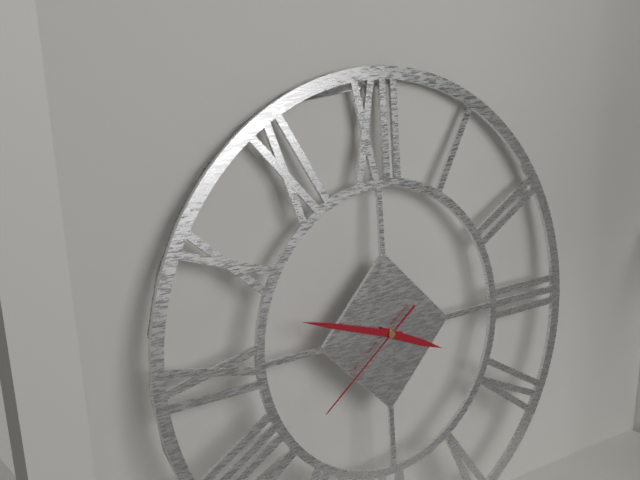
3:48:39
